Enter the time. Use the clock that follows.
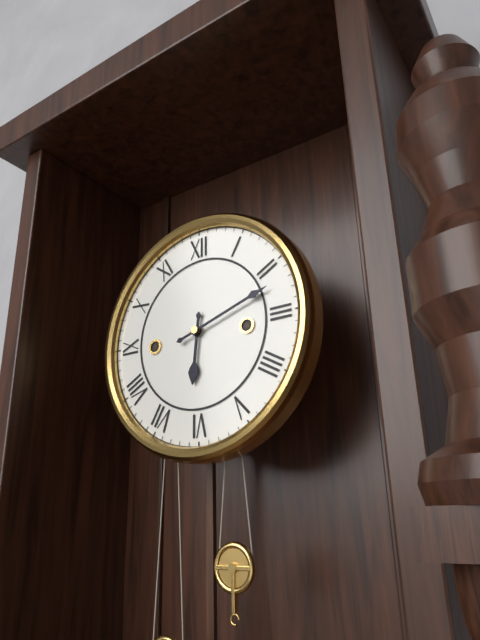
6:12
